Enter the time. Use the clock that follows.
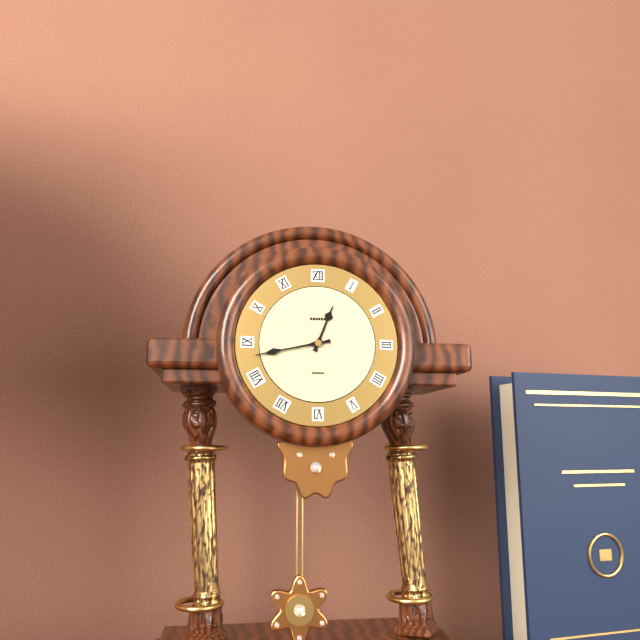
12:43
